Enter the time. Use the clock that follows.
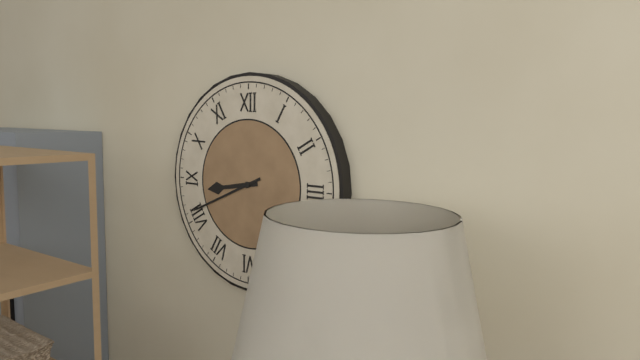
8:41
